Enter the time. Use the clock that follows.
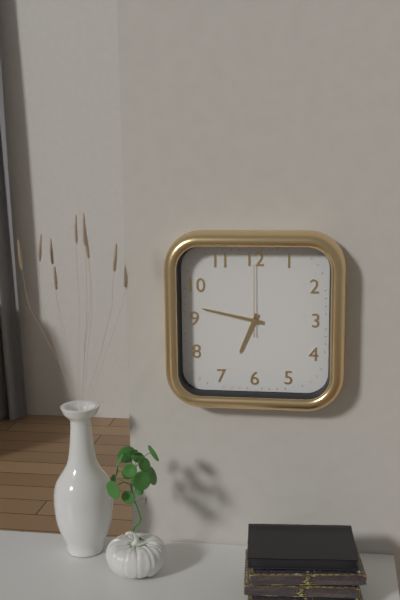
6:47:00
